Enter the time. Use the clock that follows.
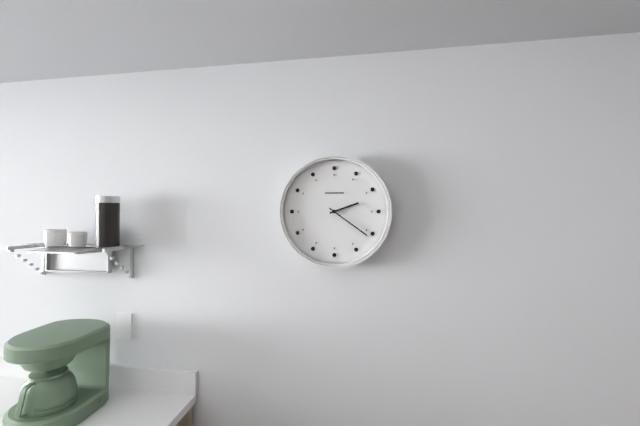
2:21
